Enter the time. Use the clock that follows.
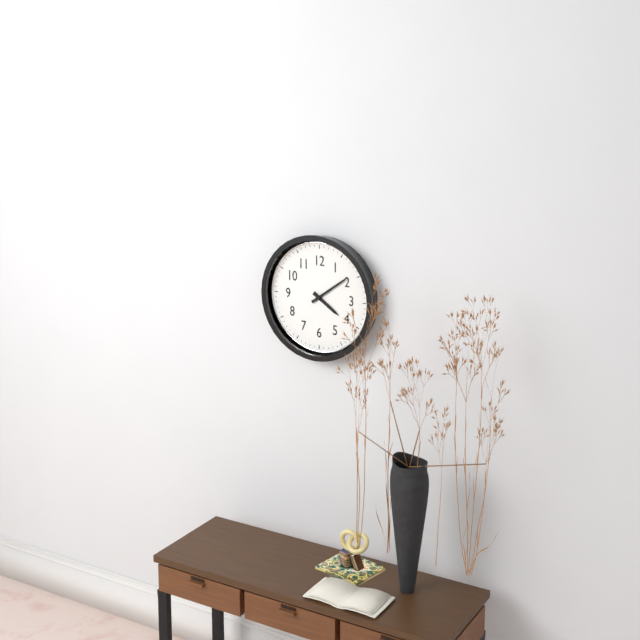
4:09
